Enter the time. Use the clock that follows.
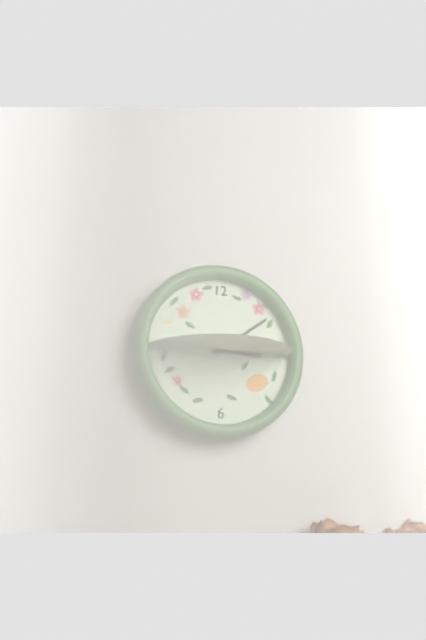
3:09
